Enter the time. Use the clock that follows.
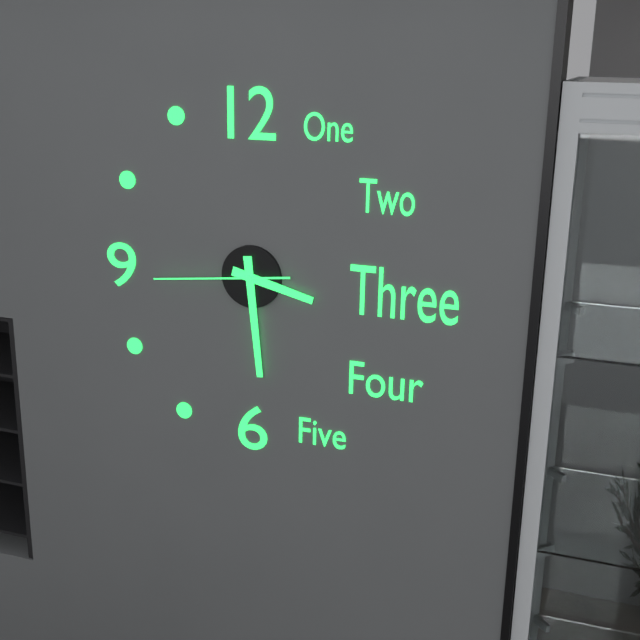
3:29:44
